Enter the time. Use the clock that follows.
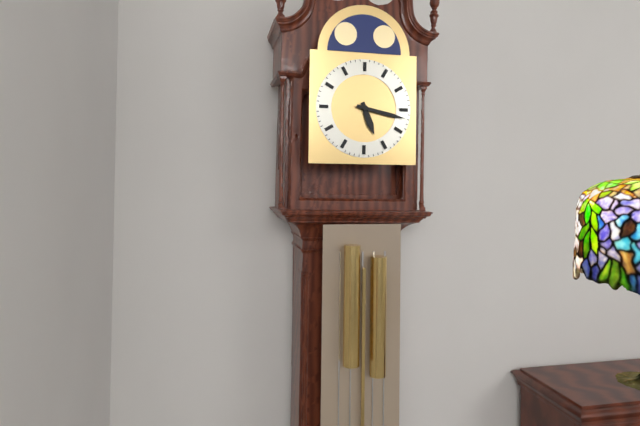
5:17
